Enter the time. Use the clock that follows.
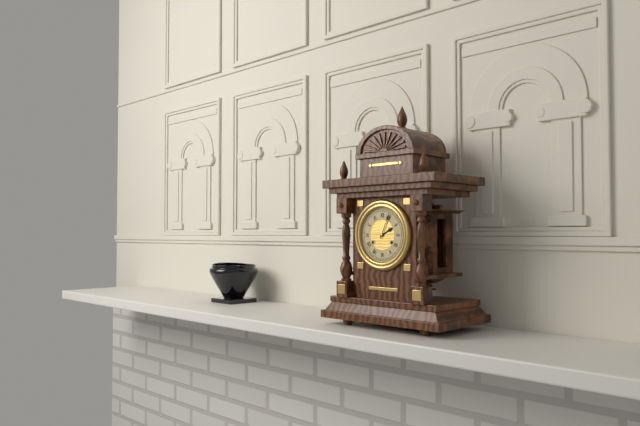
2:04
